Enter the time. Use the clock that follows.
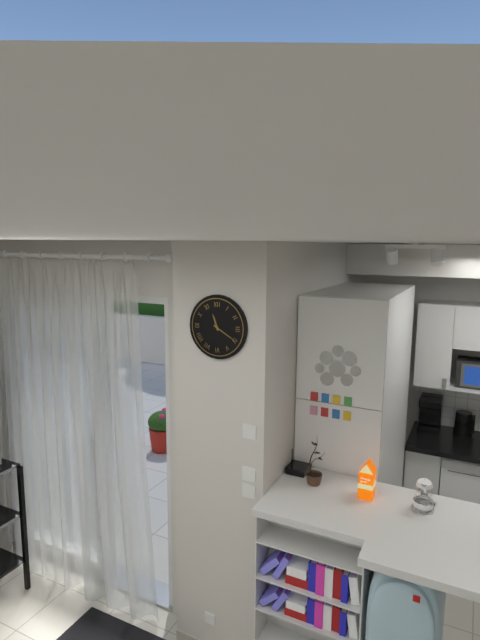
11:20
